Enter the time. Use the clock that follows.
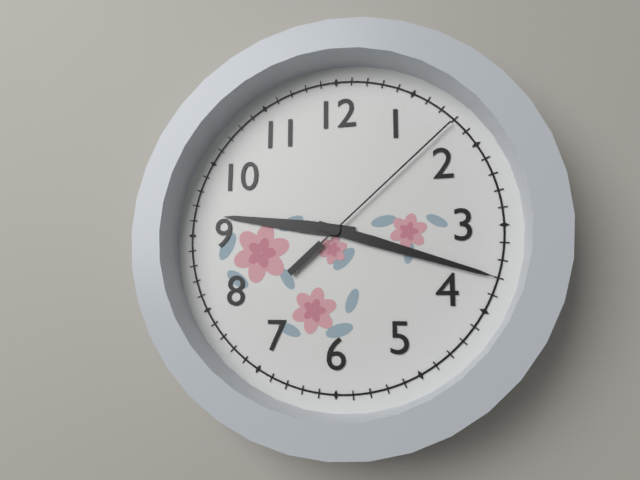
9:18:08
